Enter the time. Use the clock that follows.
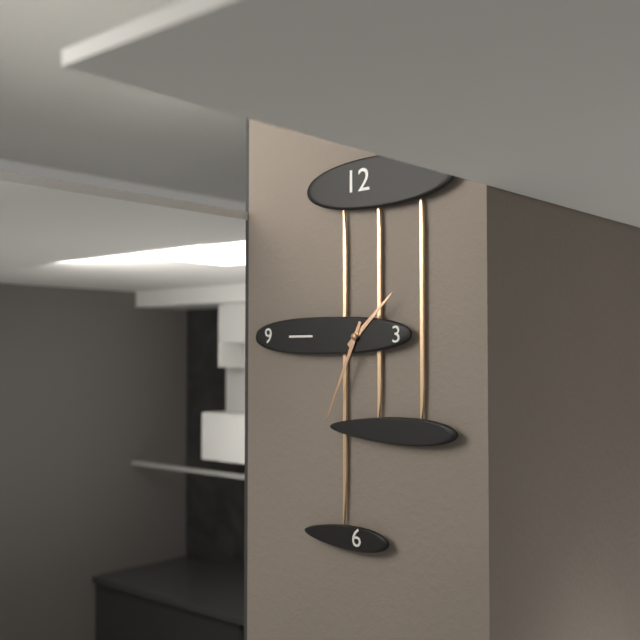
1:34
